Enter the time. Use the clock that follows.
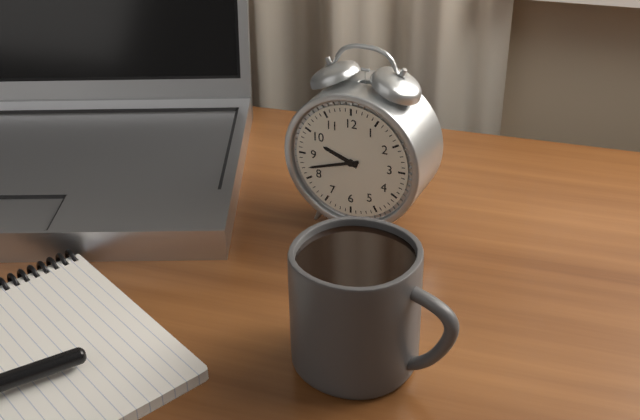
9:42
